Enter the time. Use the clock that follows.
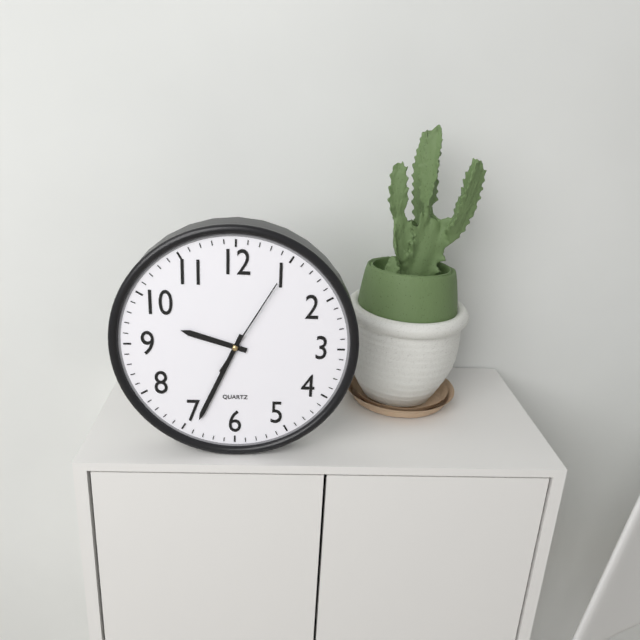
9:34:05
